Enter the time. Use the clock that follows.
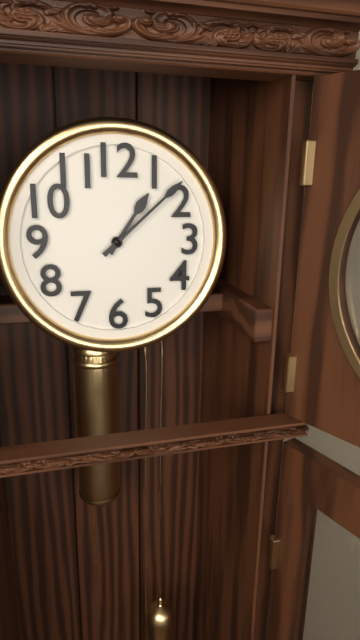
1:08
